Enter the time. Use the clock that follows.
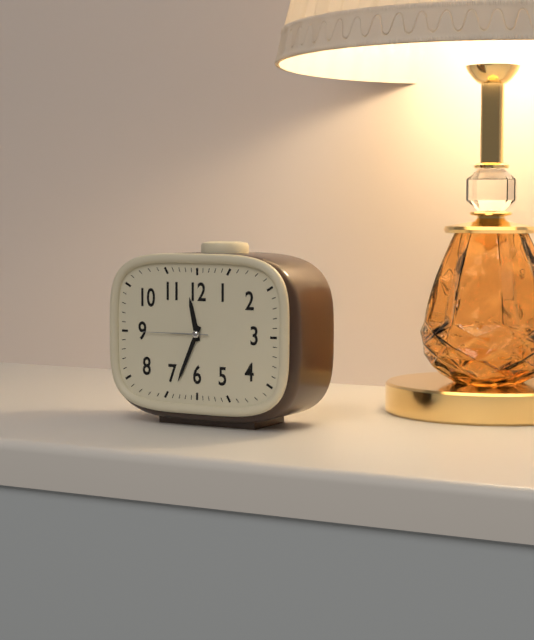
11:34:45
